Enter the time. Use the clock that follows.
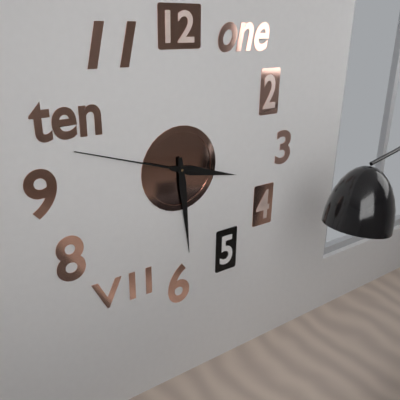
3:29:48
